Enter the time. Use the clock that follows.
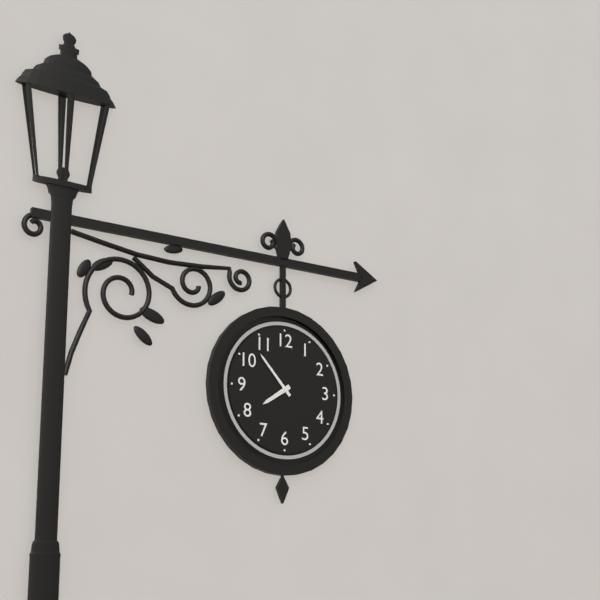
7:53
